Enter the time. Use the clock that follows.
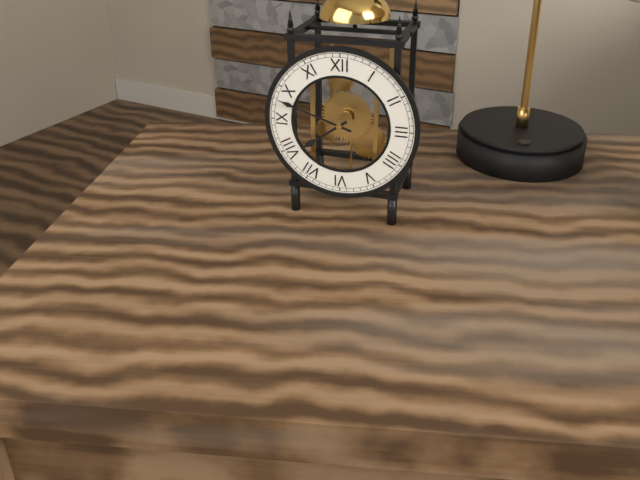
7:48
